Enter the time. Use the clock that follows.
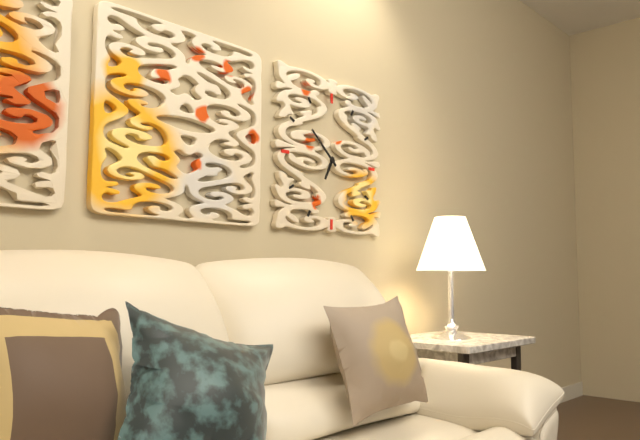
6:52
